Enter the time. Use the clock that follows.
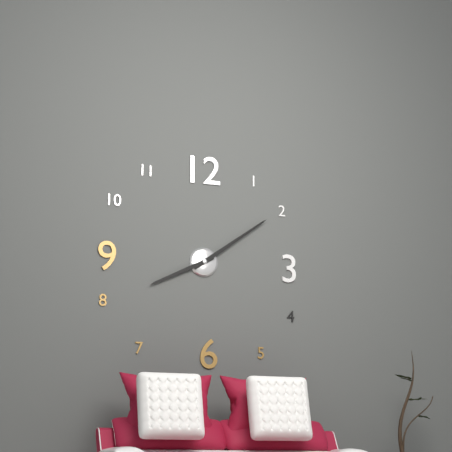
8:09
